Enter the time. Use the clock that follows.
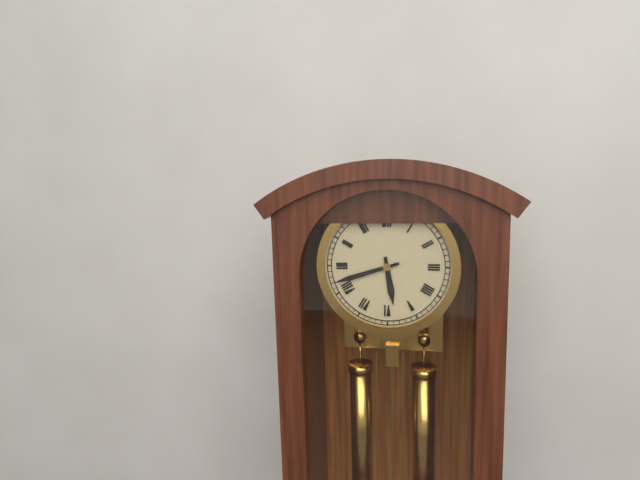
5:42
